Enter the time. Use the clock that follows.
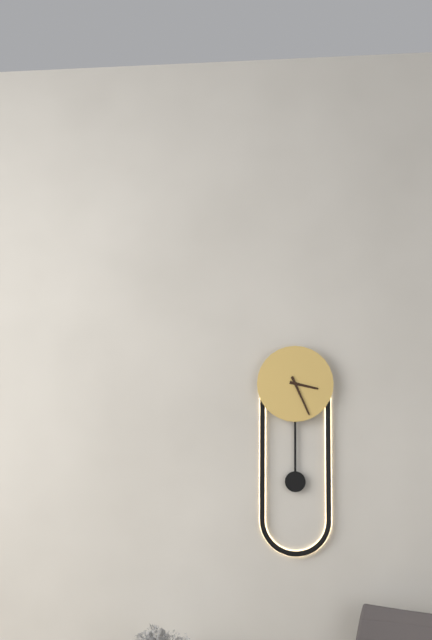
3:26
